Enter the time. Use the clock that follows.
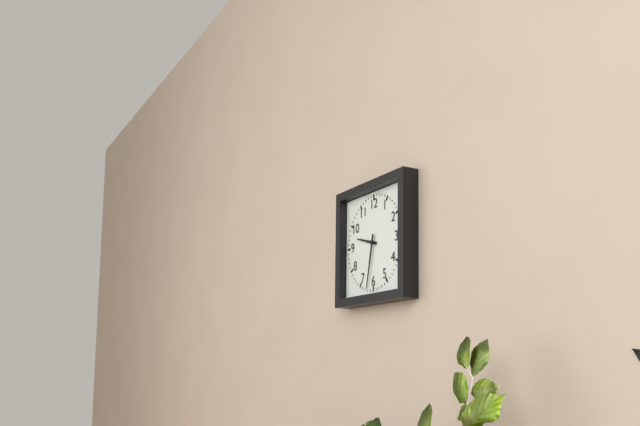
9:32
